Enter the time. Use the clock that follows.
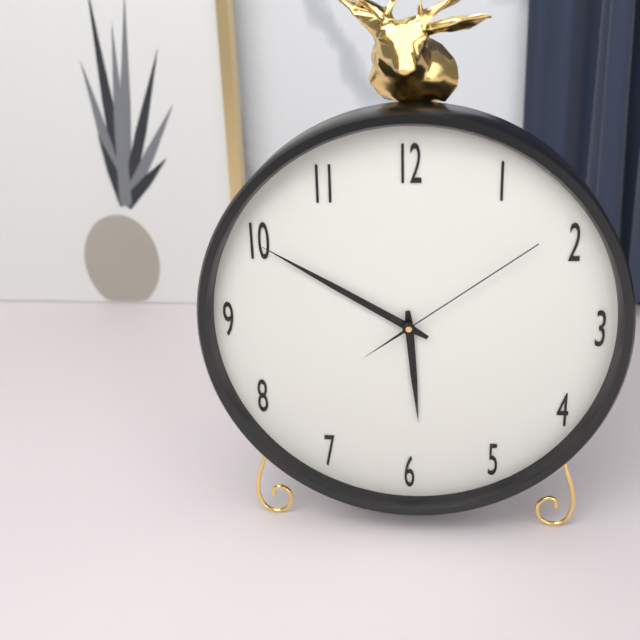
5:50:09
